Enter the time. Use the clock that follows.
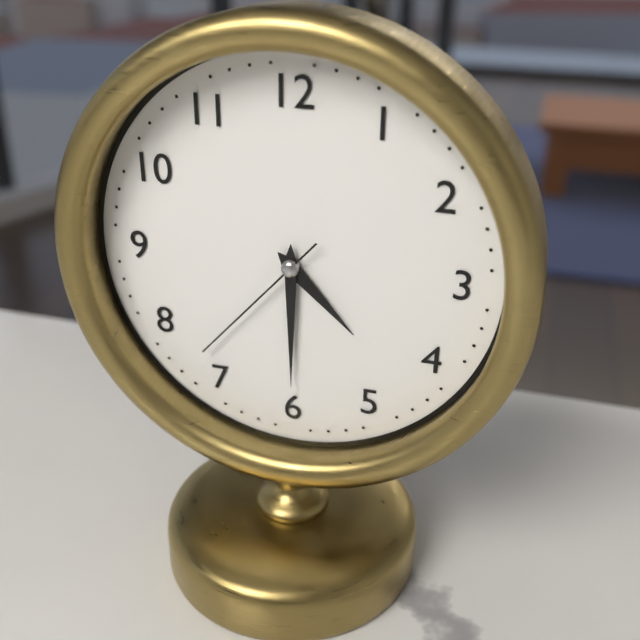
4:30:37
